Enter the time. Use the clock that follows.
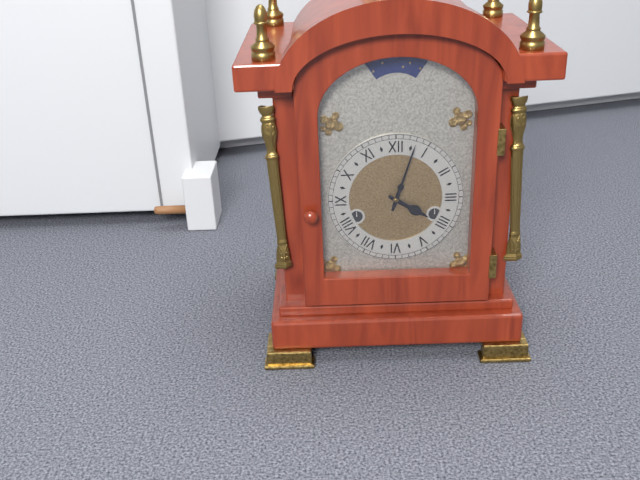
4:03
